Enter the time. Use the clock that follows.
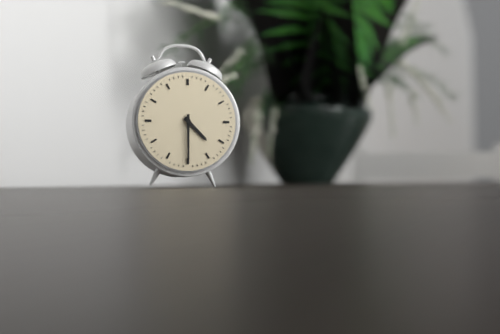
4:30
